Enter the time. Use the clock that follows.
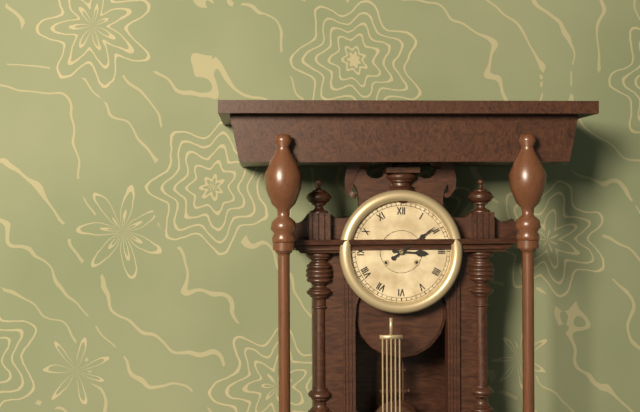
3:09
